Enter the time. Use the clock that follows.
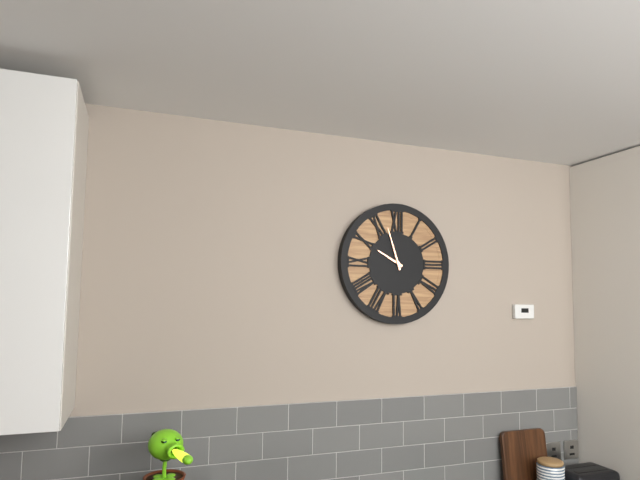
9:57
